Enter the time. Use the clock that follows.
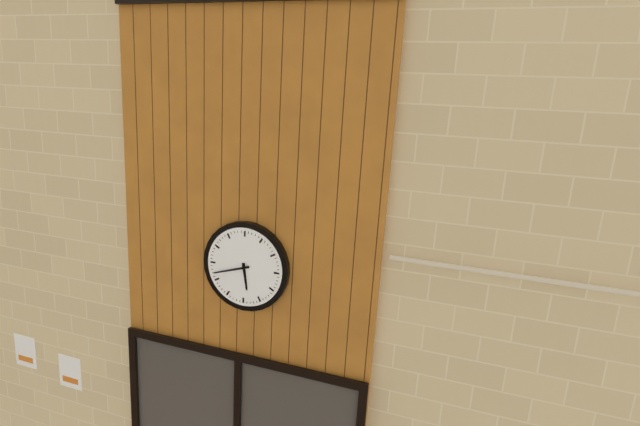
5:42
